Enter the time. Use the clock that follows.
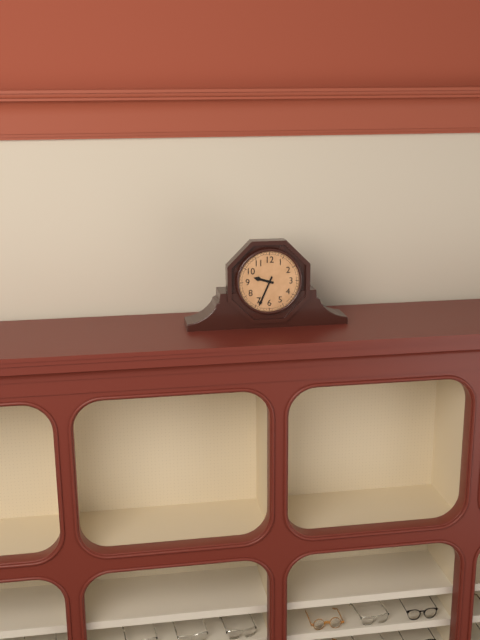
9:34
